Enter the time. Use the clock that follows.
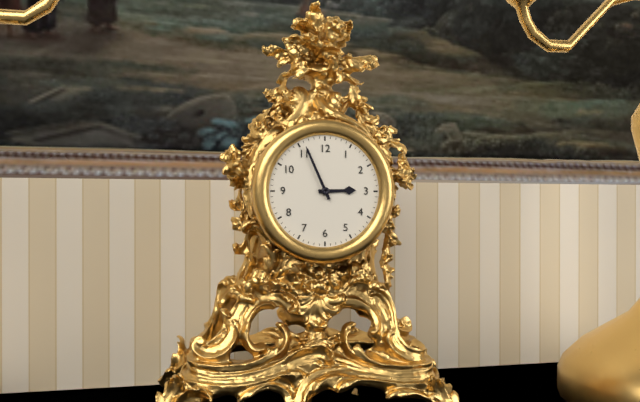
2:56
